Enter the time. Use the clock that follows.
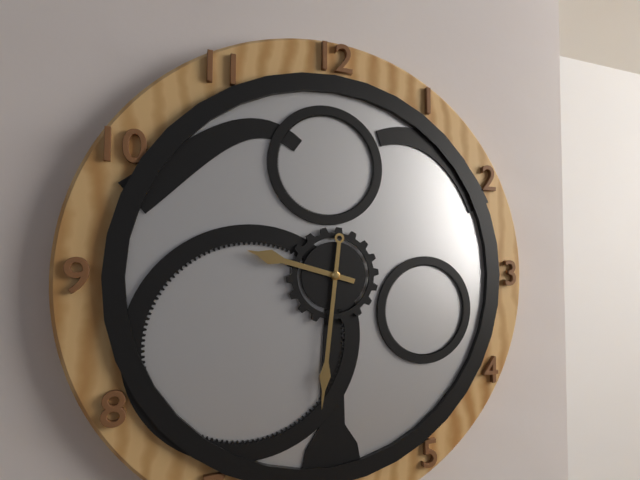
9:31
